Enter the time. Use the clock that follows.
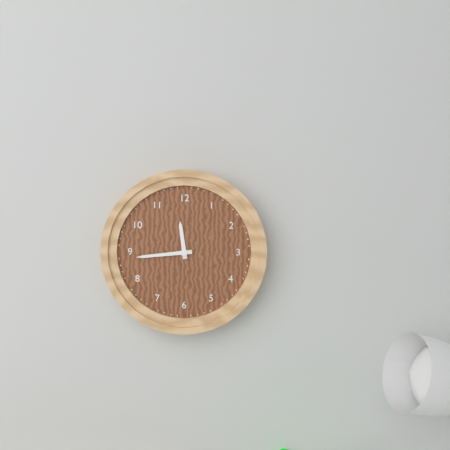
11:44
